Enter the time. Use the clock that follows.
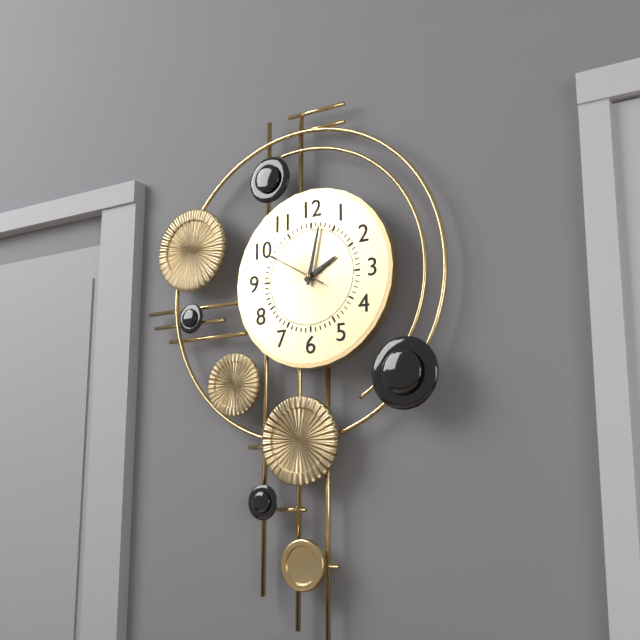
2:02:50
